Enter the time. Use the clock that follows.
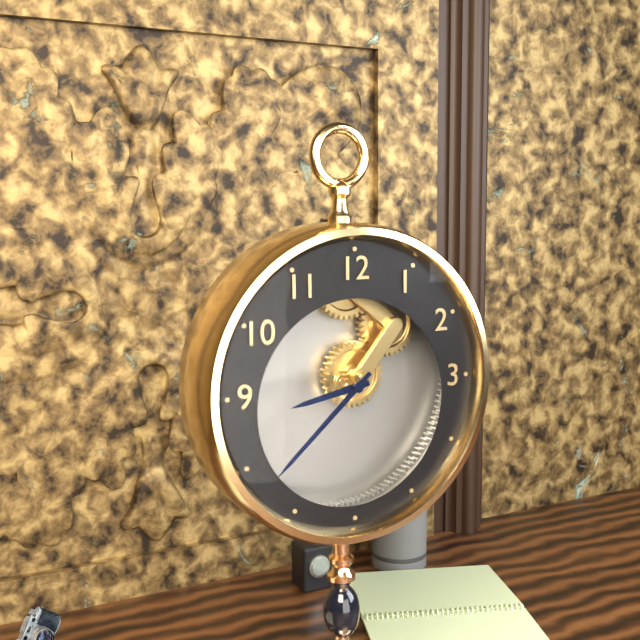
8:38
